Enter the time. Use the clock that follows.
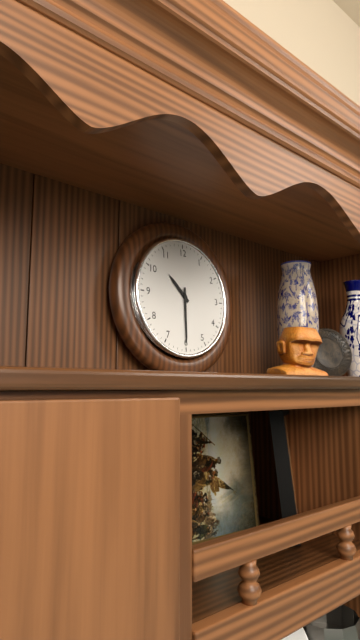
10:30
